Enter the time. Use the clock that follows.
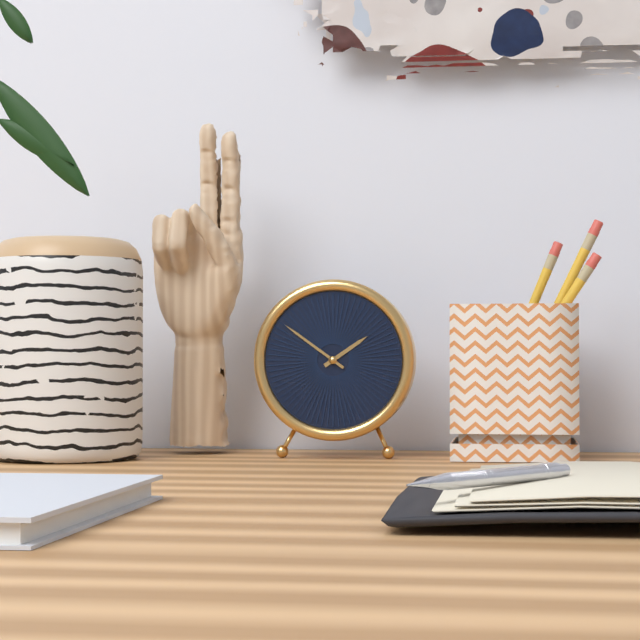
1:51
